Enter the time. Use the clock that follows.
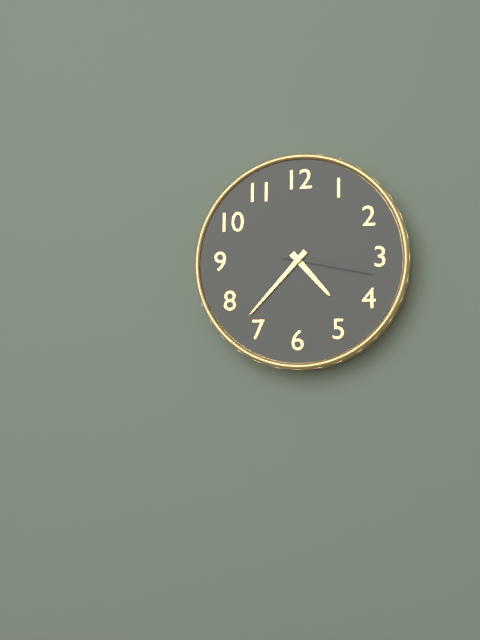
4:37:17
